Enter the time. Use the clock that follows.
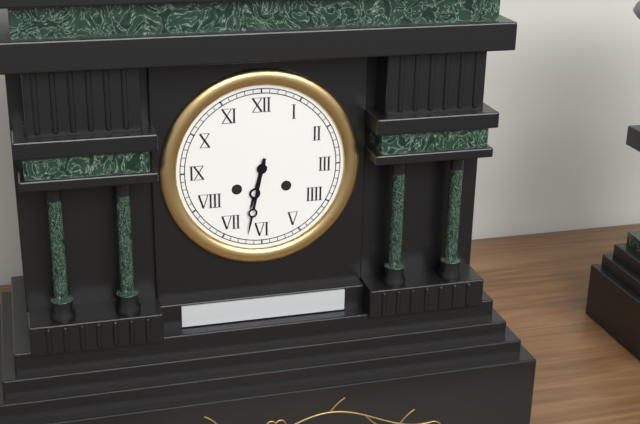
6:32
